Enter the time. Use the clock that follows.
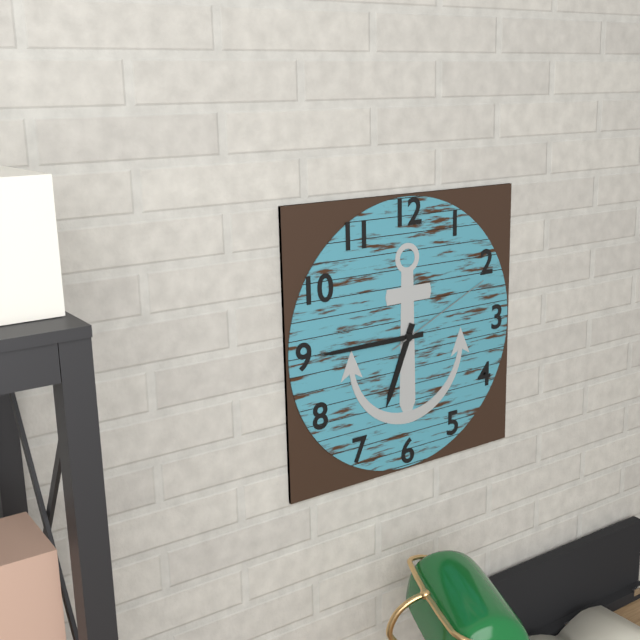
6:45:11
